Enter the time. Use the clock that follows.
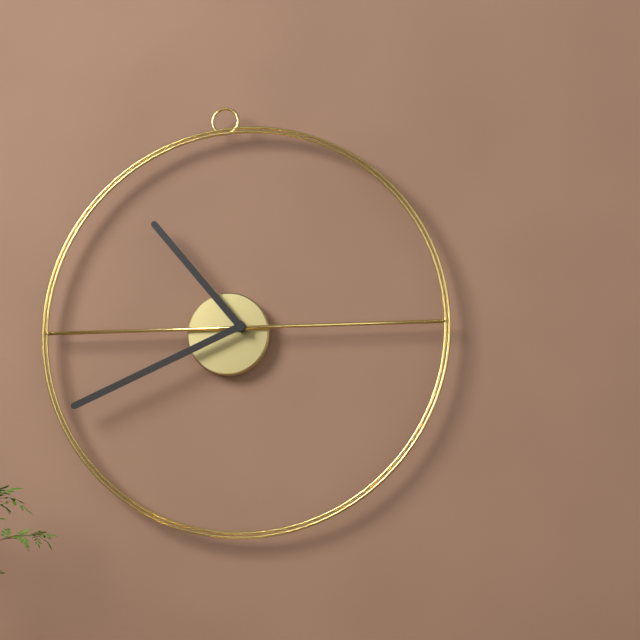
10:41
